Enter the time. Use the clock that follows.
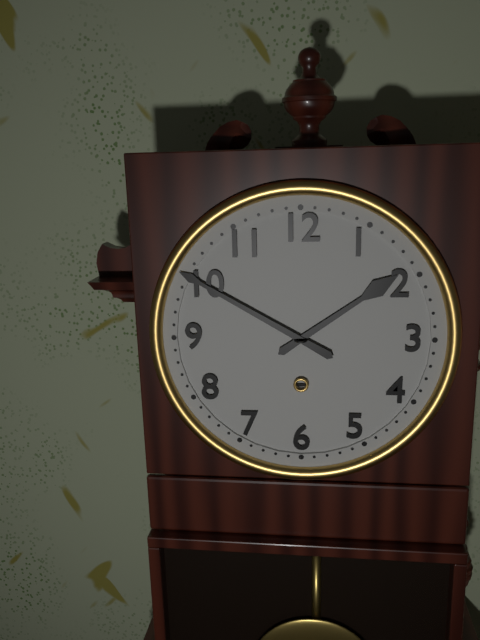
1:50
